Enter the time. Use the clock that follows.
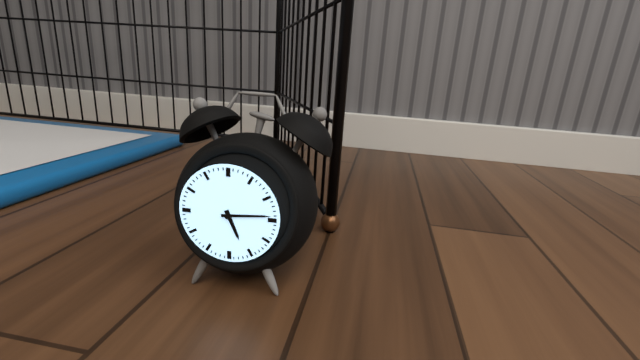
5:14
